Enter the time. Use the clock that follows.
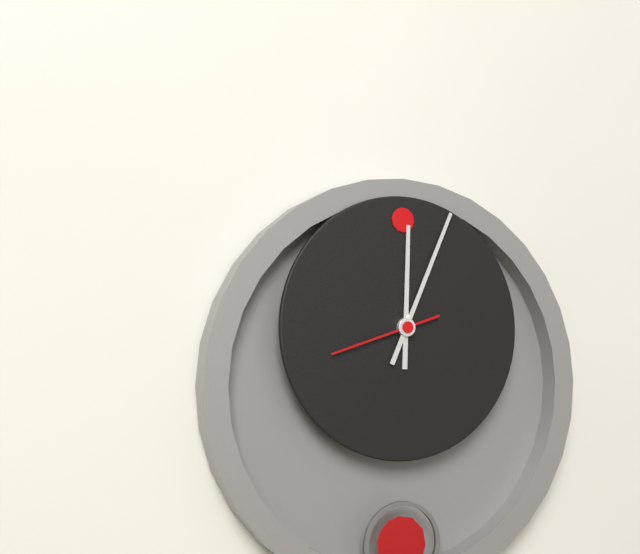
12:04:42
